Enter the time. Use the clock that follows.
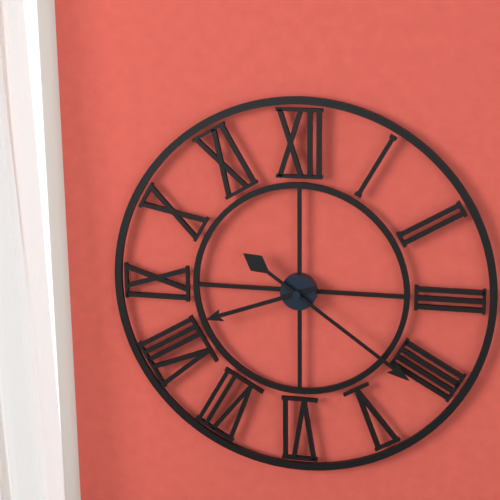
8:21
